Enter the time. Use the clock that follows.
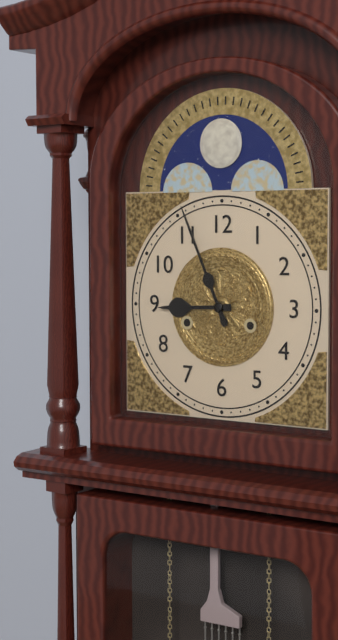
8:56
